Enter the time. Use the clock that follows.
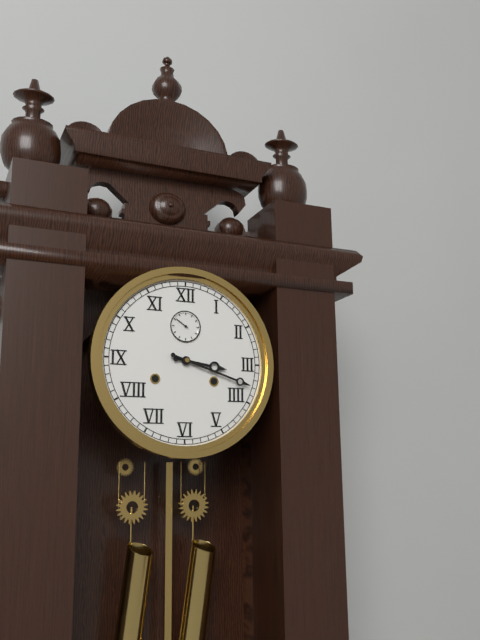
3:18
